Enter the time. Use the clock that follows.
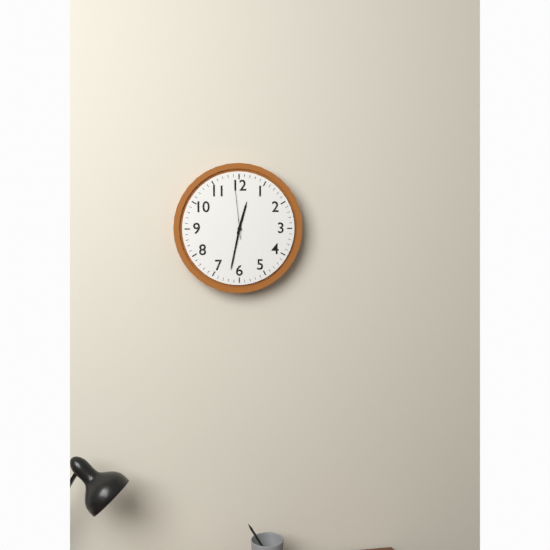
12:32:59
